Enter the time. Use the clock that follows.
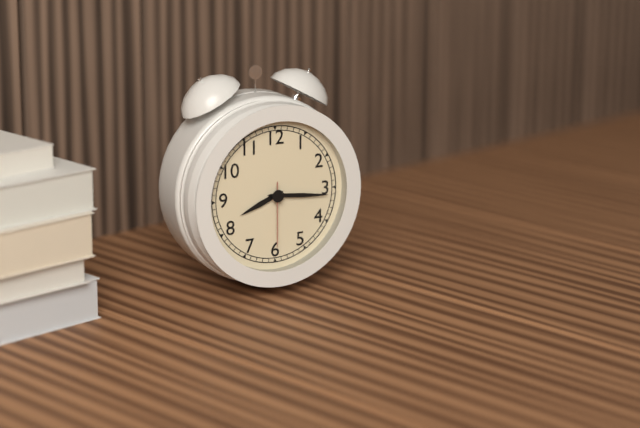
8:16:30
